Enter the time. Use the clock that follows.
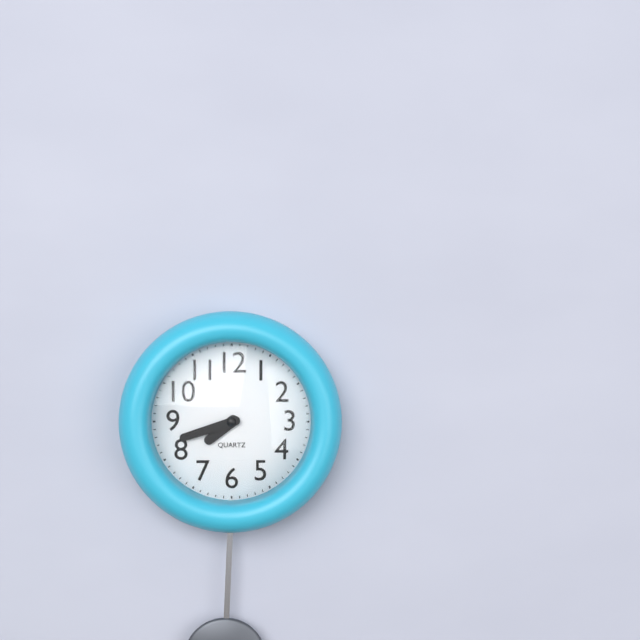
7:42
